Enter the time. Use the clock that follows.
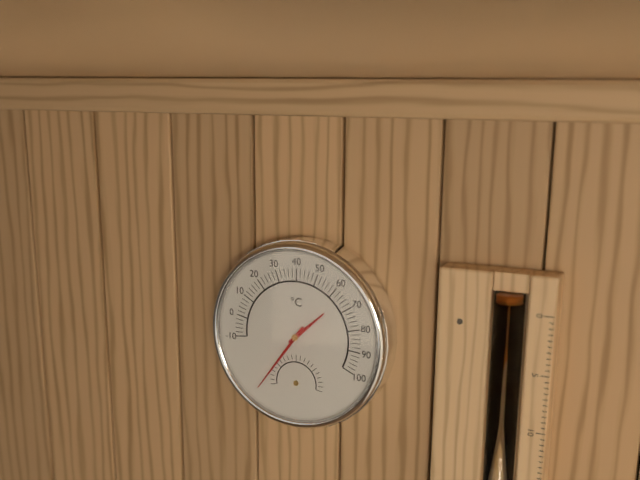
1:36
